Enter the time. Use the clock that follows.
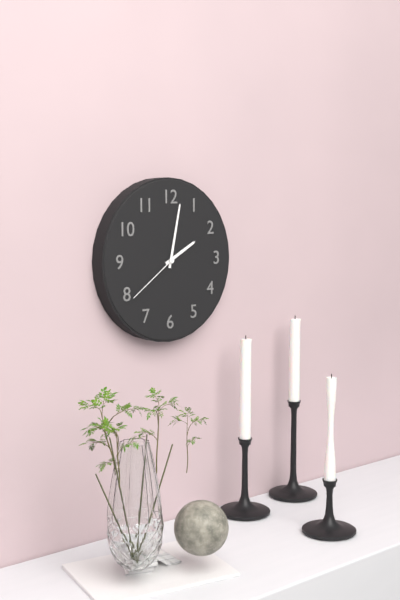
2:02:39
